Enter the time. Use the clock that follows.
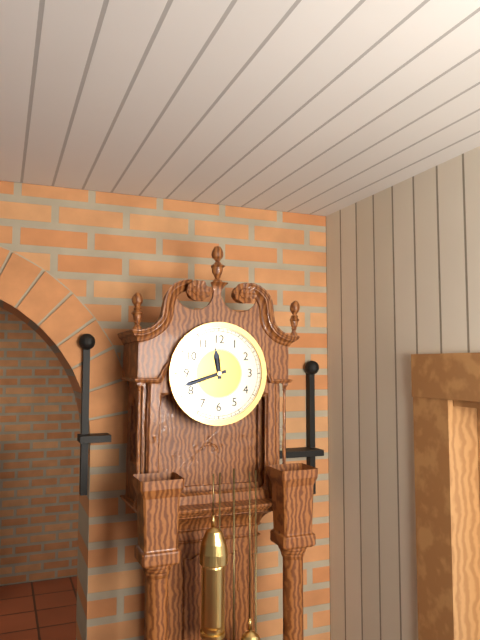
11:42
